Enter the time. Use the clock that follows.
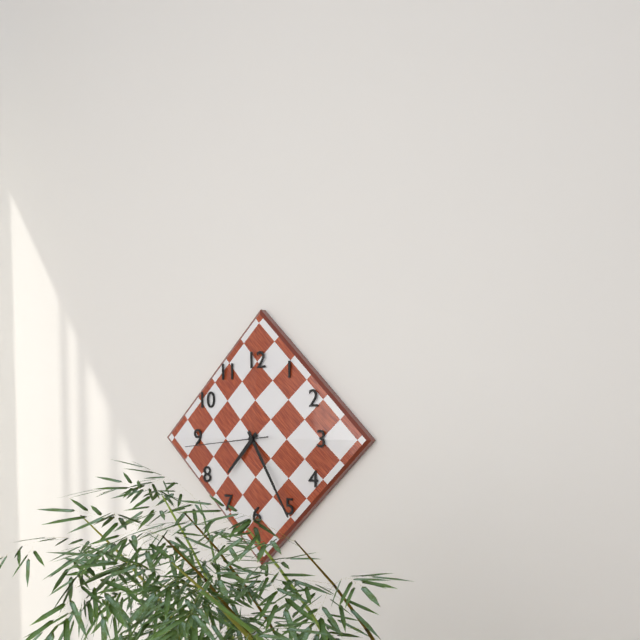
7:25:44
